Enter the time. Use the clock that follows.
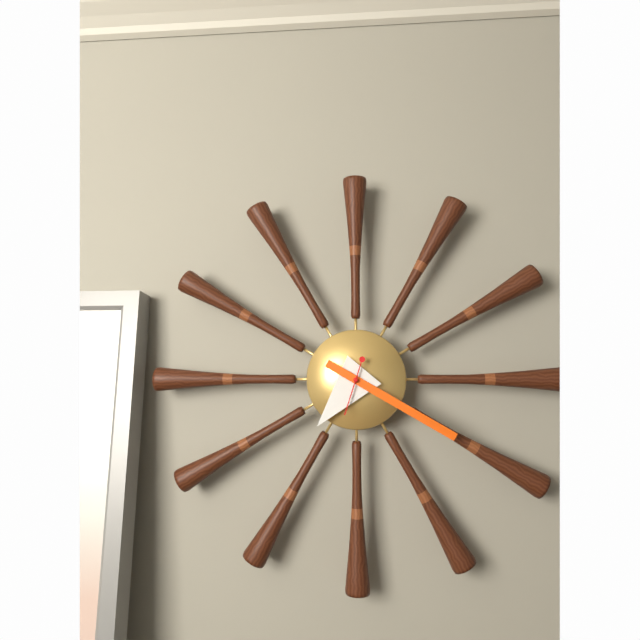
7:20
